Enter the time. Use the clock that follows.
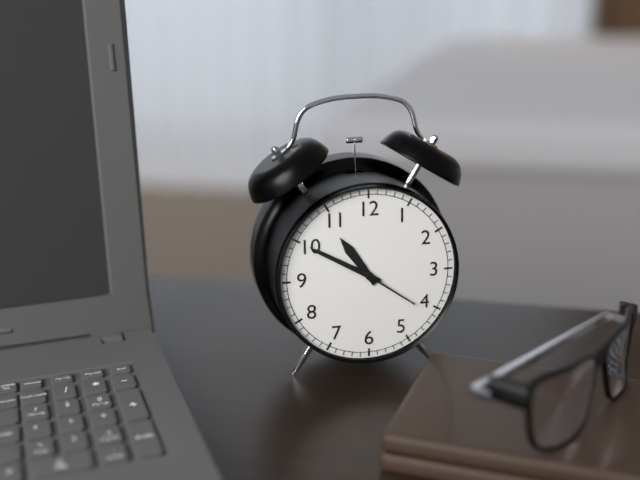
10:50:21
